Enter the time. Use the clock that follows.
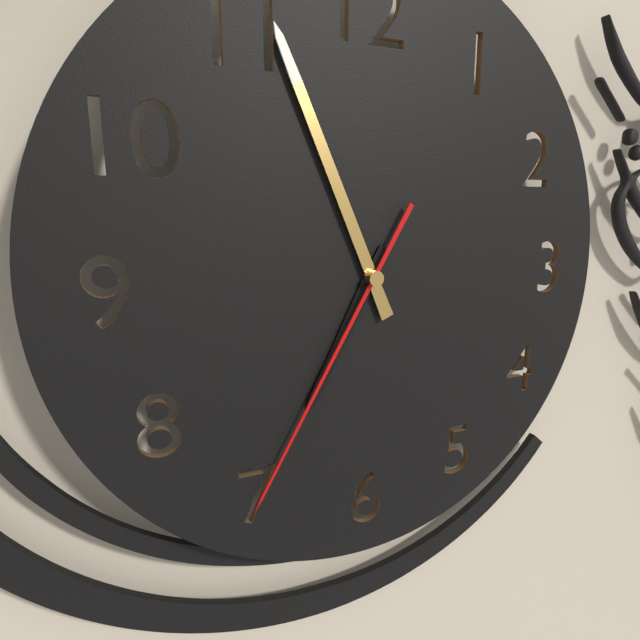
6:56:35
